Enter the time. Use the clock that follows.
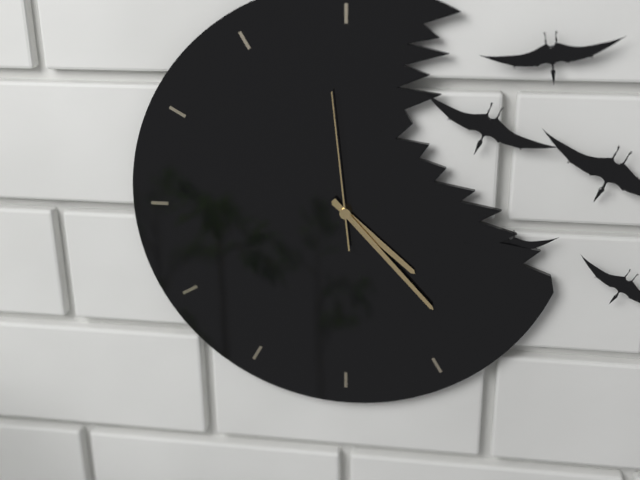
4:23:59
